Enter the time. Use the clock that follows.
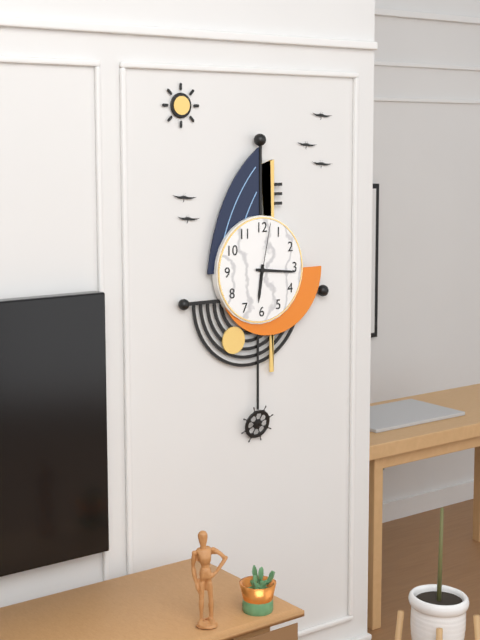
6:16:02
